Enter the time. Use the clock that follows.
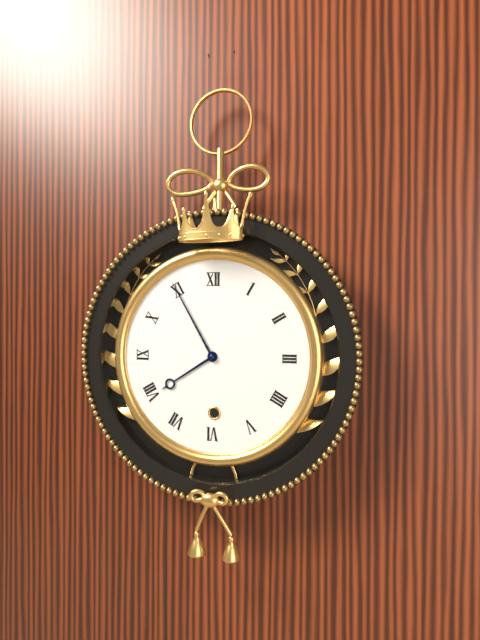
7:55
